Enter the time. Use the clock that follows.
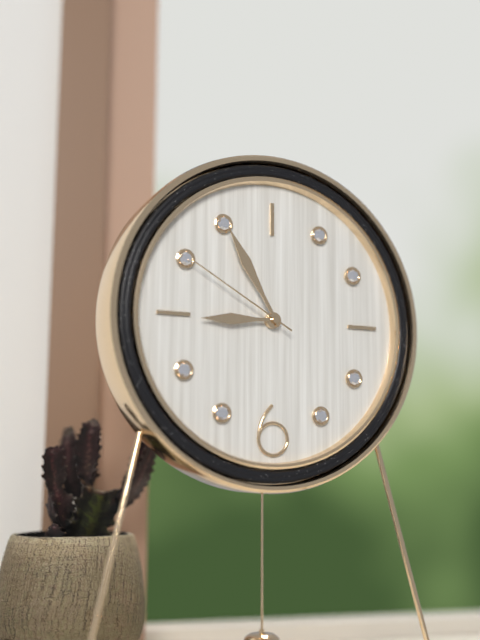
8:55:50
